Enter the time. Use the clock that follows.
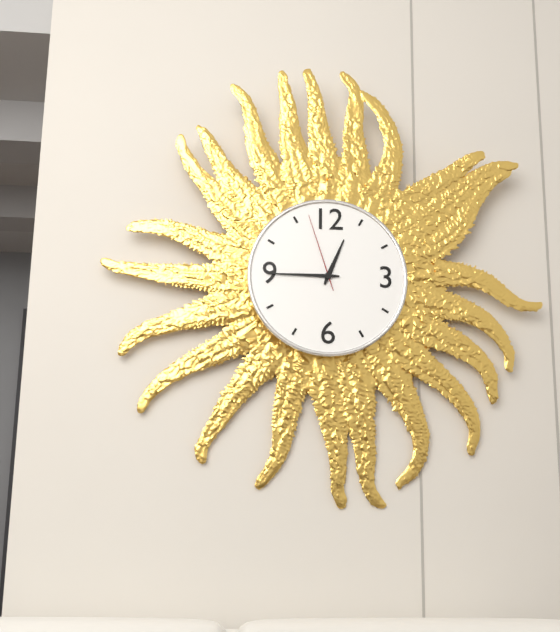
12:45:57
